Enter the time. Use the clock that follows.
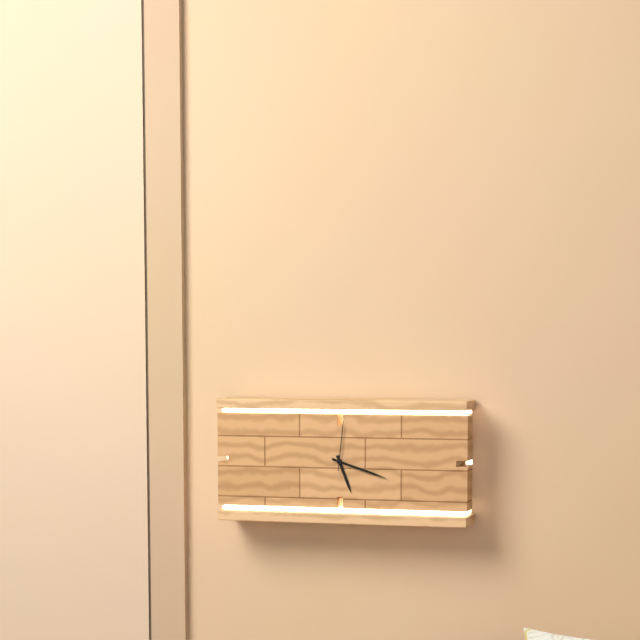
5:18
